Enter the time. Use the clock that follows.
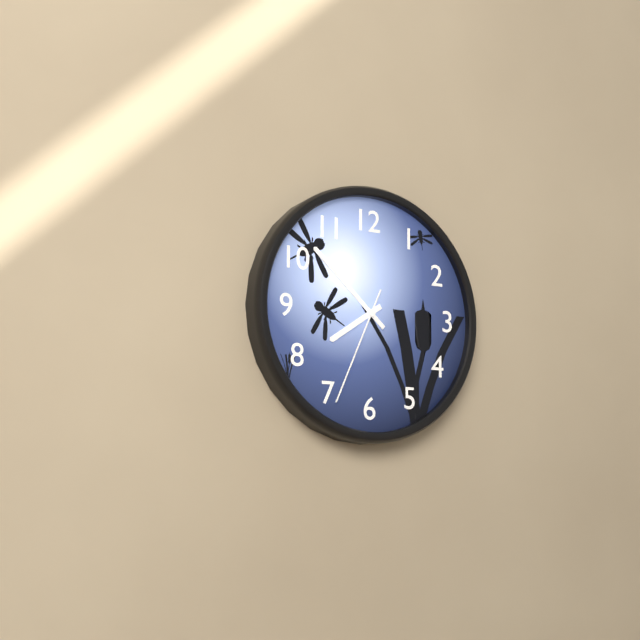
7:52:34
